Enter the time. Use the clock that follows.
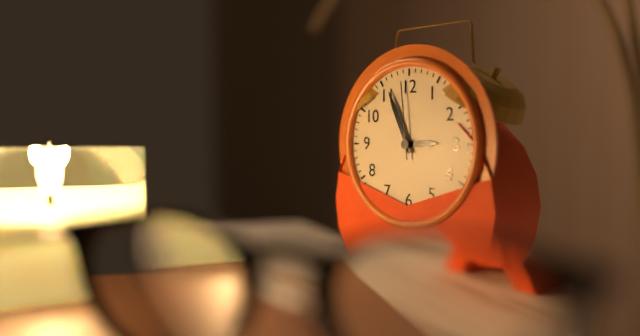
2:56:59
